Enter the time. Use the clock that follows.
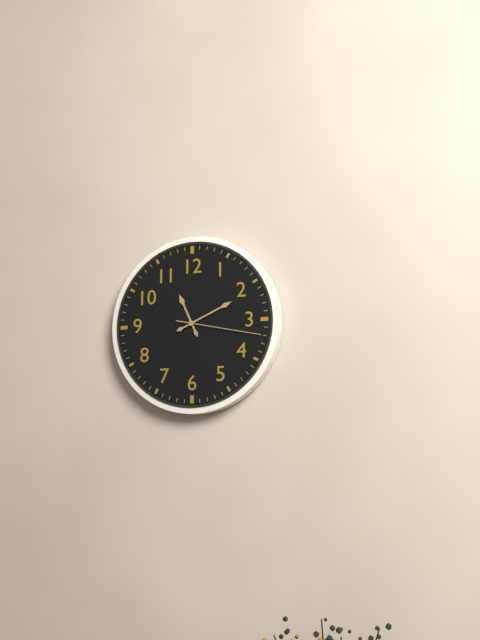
11:11:17
